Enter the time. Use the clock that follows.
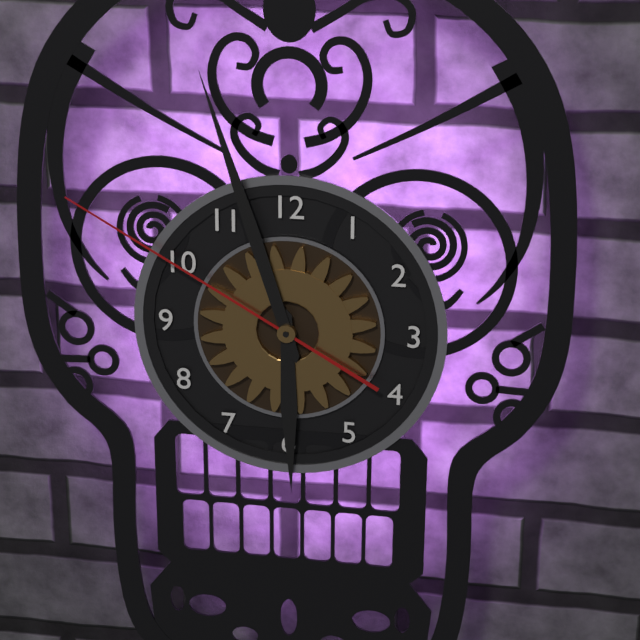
5:57:50
